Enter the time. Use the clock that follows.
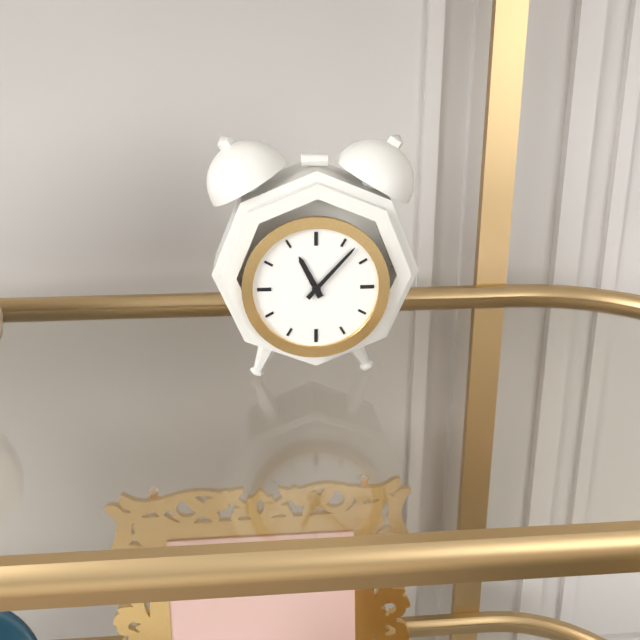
11:07
